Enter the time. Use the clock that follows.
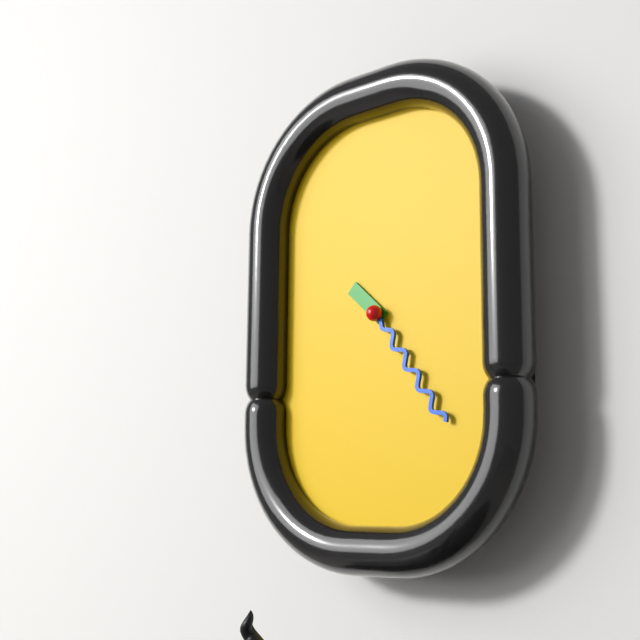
10:24
